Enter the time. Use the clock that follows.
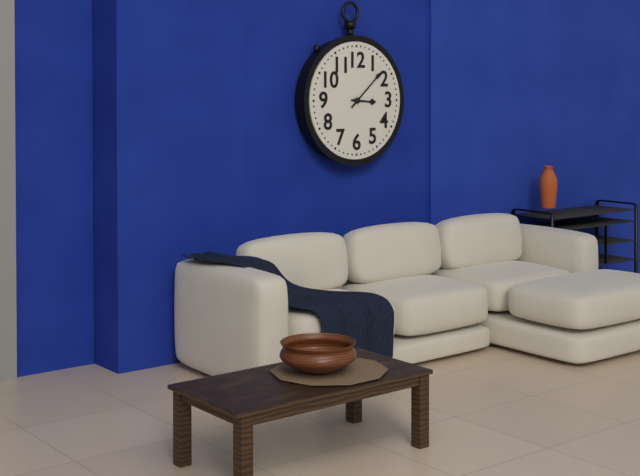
3:08
